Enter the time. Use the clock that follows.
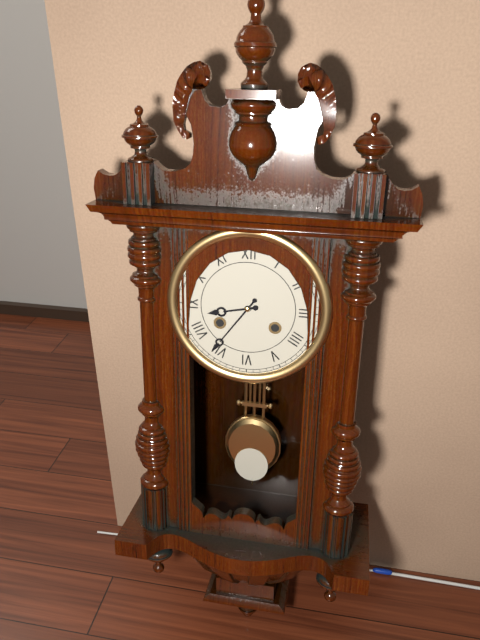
8:36
